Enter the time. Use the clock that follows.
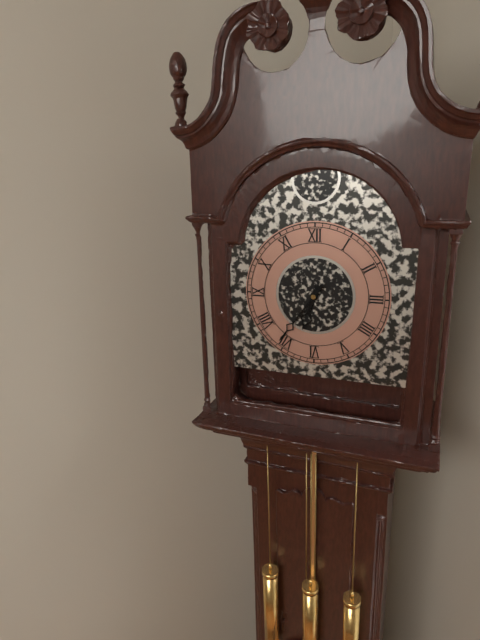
6:36
